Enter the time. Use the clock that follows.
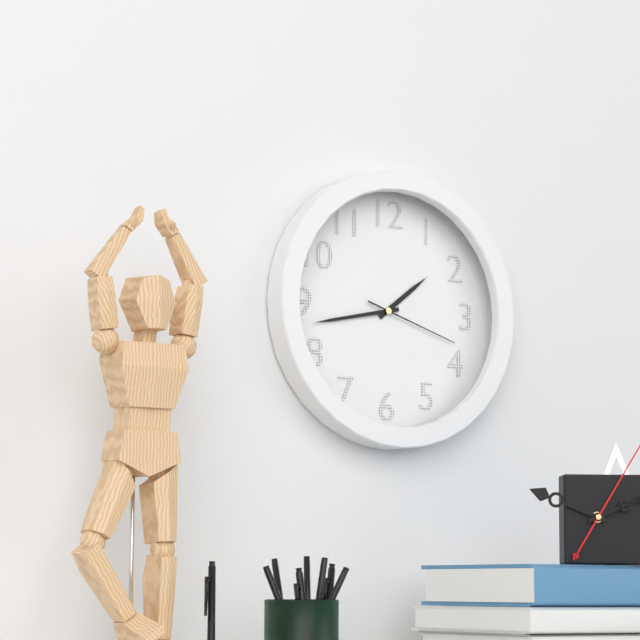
1:43:18
